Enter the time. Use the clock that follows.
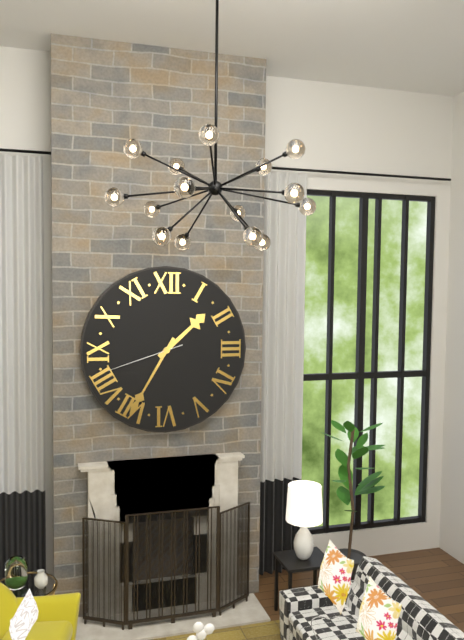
1:35:42
